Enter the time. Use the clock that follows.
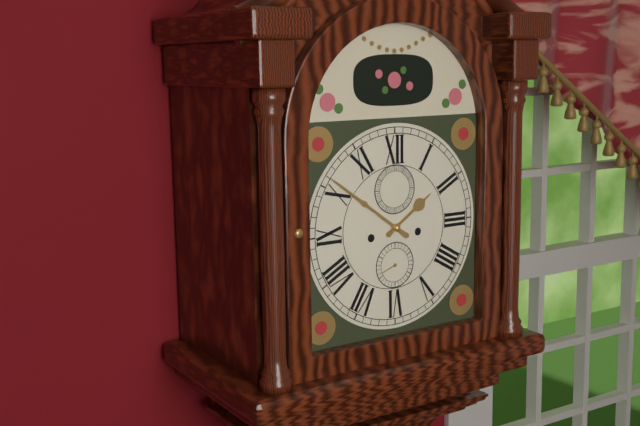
1:51
